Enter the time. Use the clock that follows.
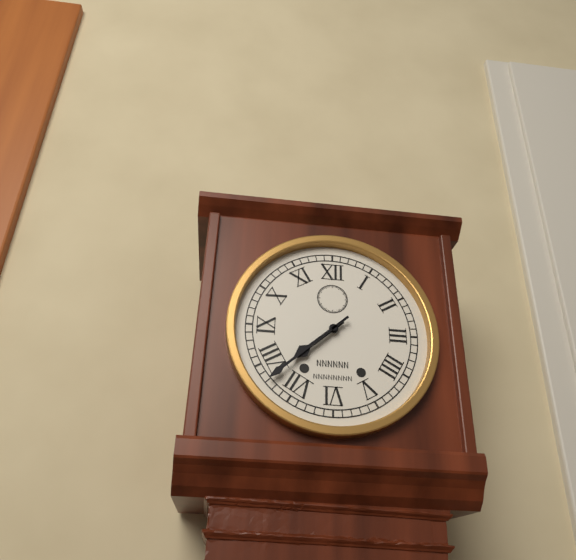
7:38
